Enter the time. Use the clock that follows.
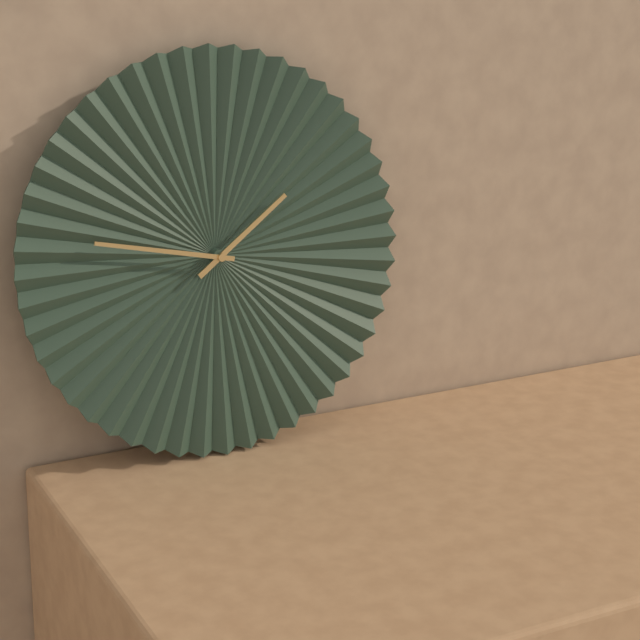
1:47
